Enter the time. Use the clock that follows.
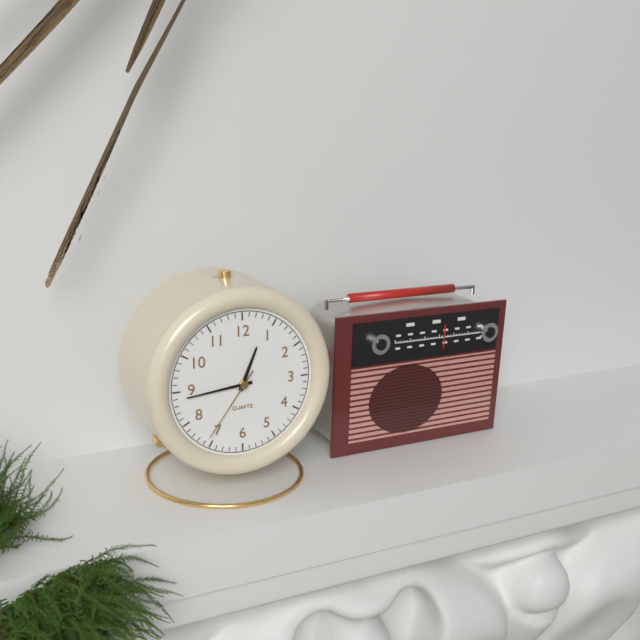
12:44:36
